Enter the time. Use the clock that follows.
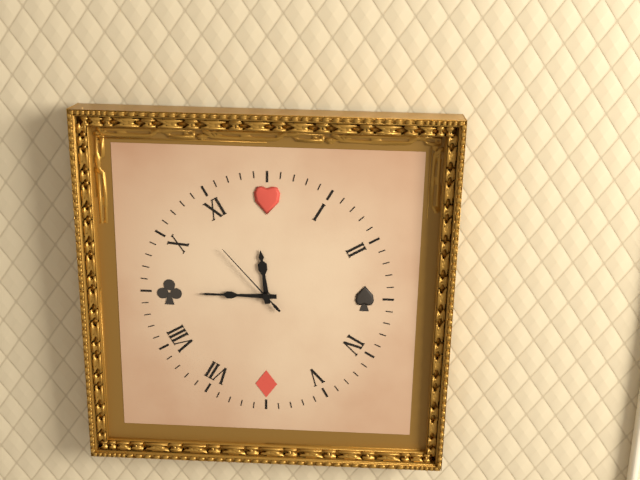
11:45:53
